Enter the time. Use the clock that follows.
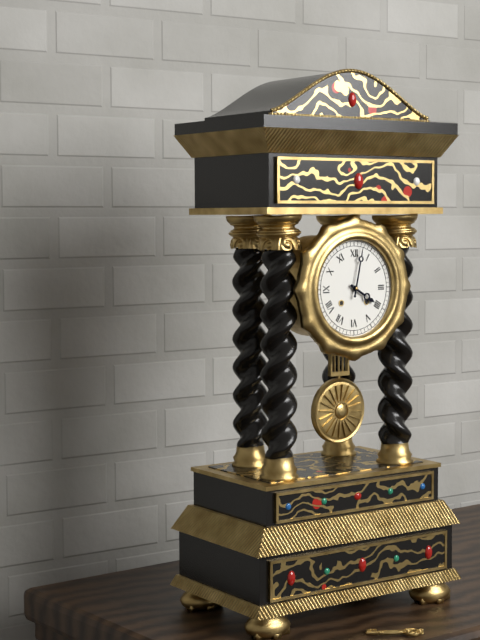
4:02
